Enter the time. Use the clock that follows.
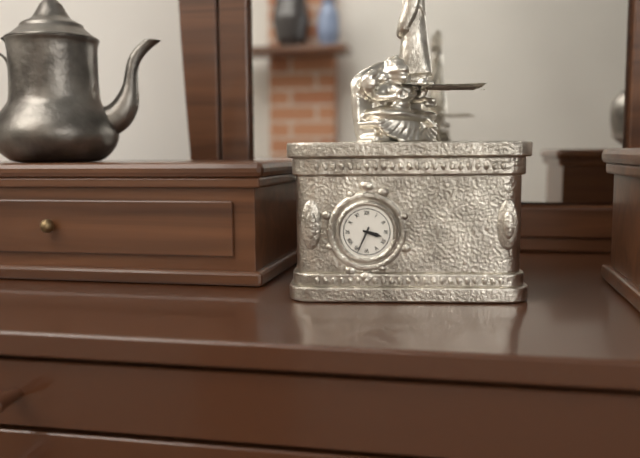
3:34
